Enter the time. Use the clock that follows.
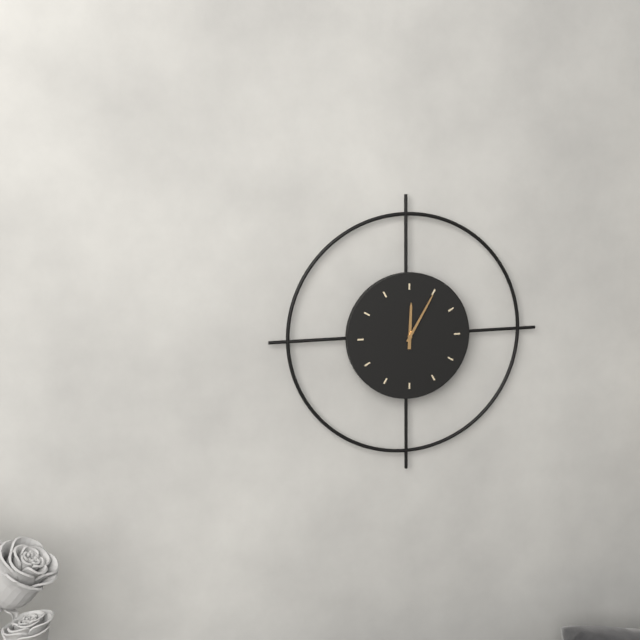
12:05
